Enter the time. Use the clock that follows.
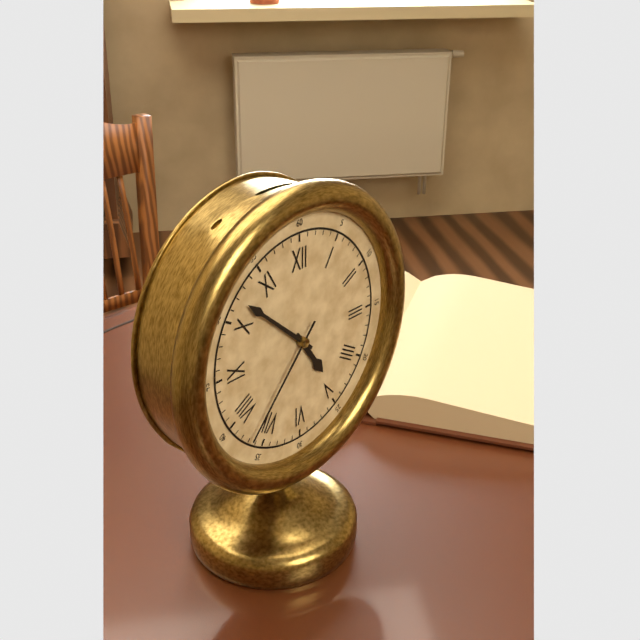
4:52:37
